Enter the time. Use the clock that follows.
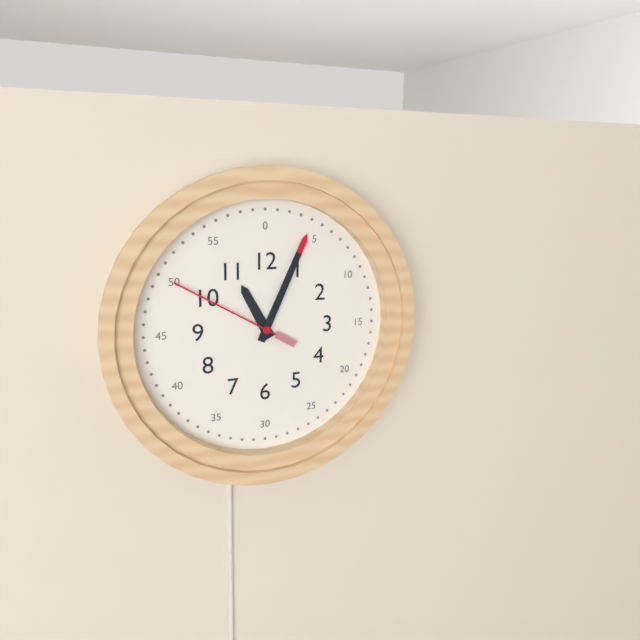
11:04:50
